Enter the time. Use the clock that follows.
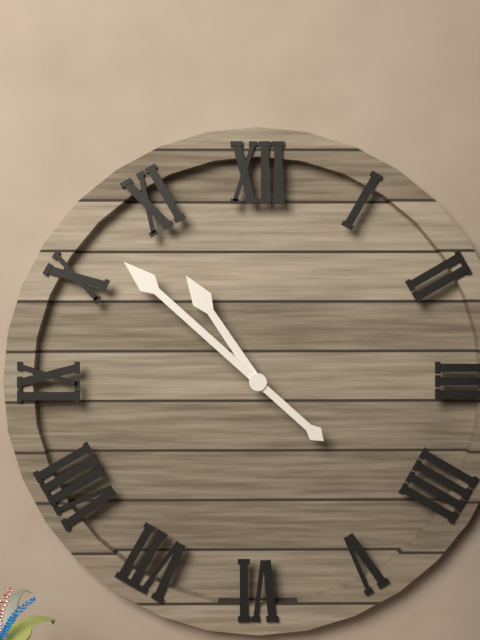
10:52
